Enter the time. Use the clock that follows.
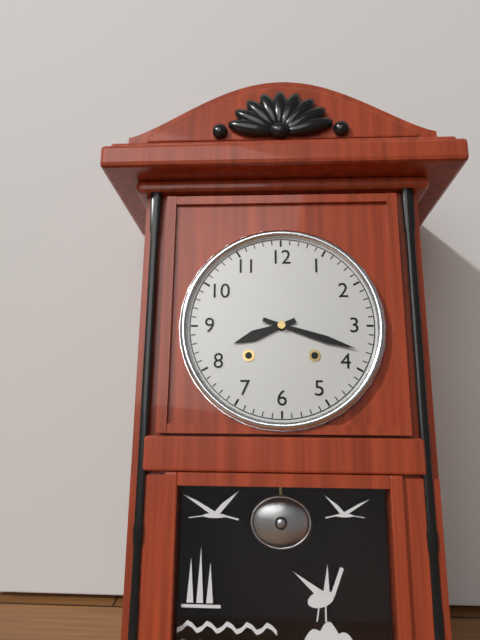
8:18
